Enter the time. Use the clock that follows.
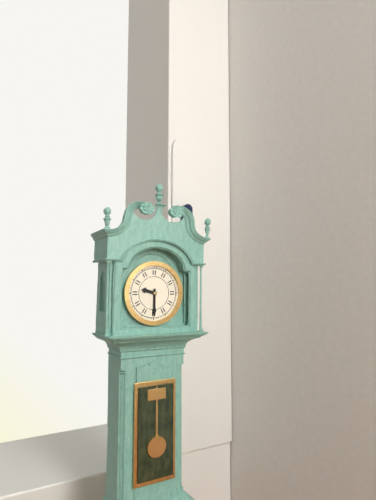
9:30
